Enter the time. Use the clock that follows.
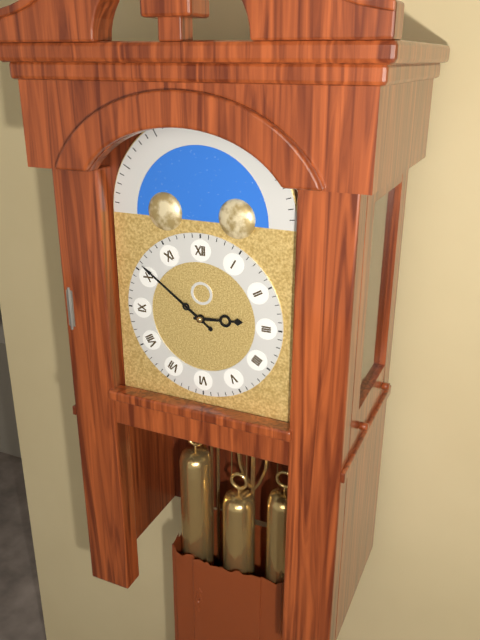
2:51
